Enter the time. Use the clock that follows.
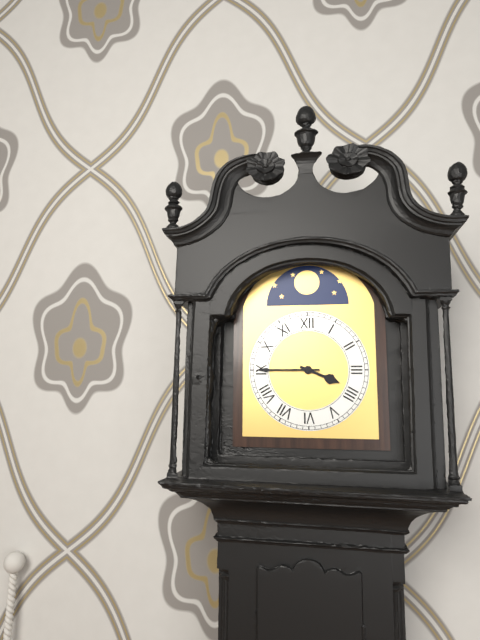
3:45
